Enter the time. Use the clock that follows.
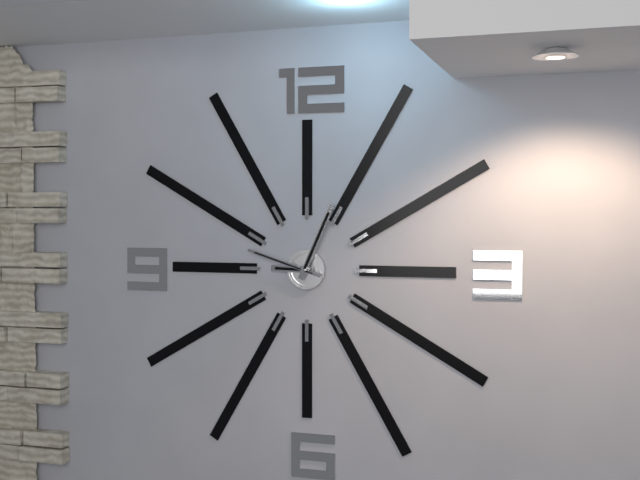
9:04:48
